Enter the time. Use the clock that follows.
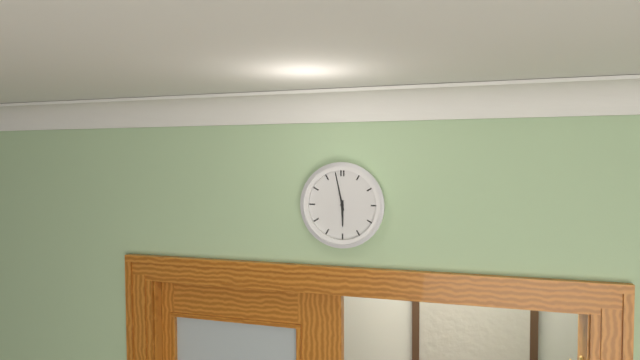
5:58
